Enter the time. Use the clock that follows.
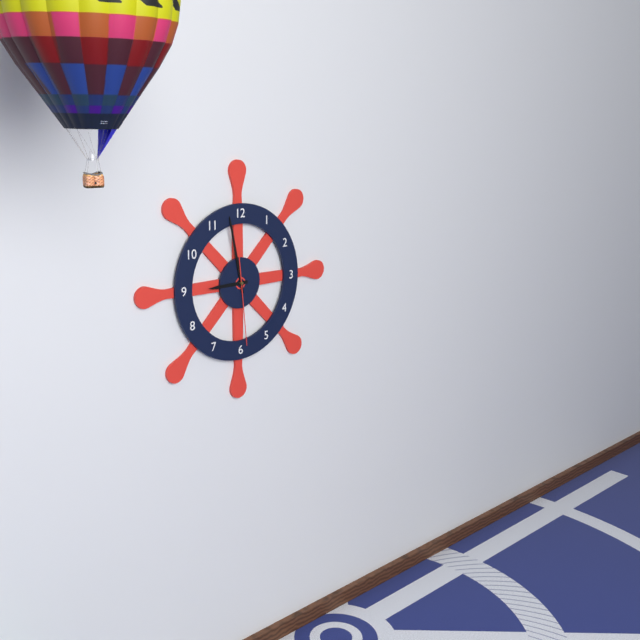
8:58:29
